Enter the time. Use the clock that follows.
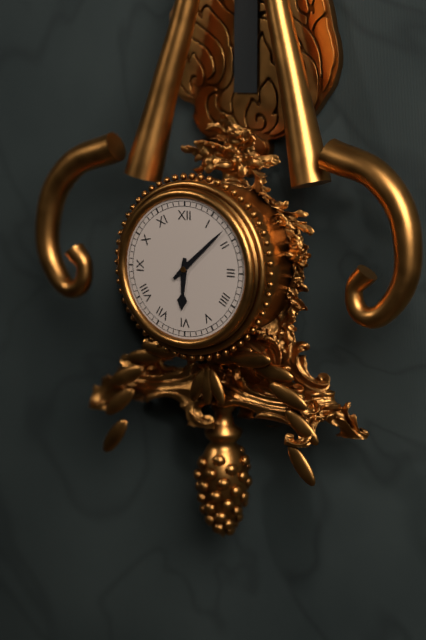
6:08
